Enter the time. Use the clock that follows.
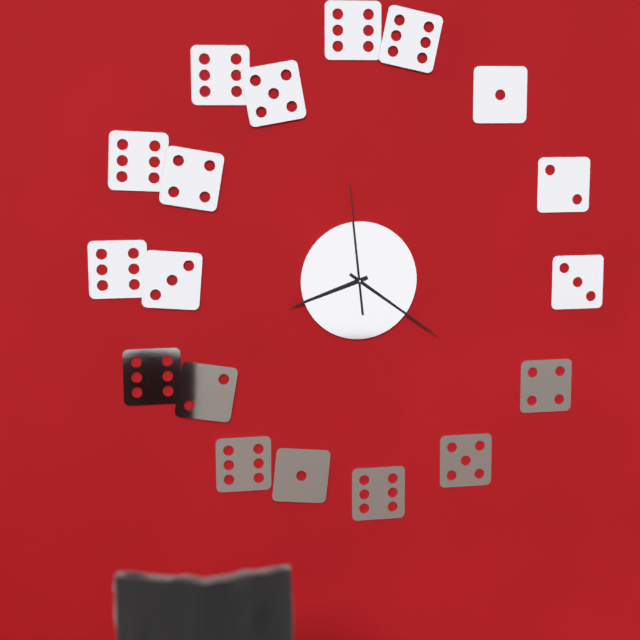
8:21:59
